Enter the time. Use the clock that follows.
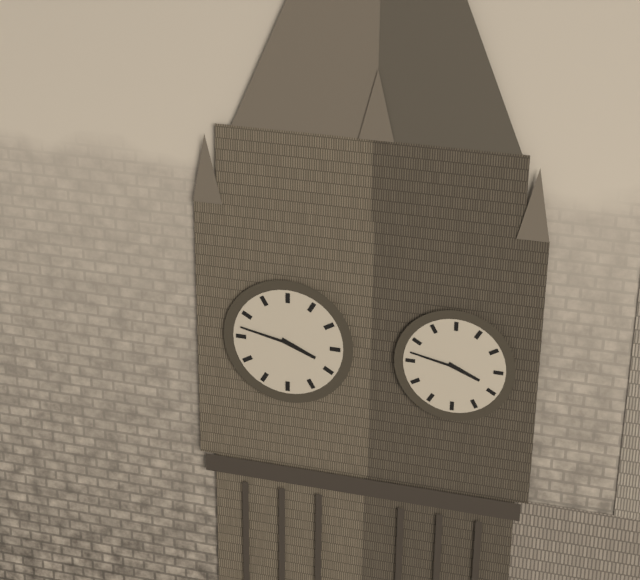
3:47
